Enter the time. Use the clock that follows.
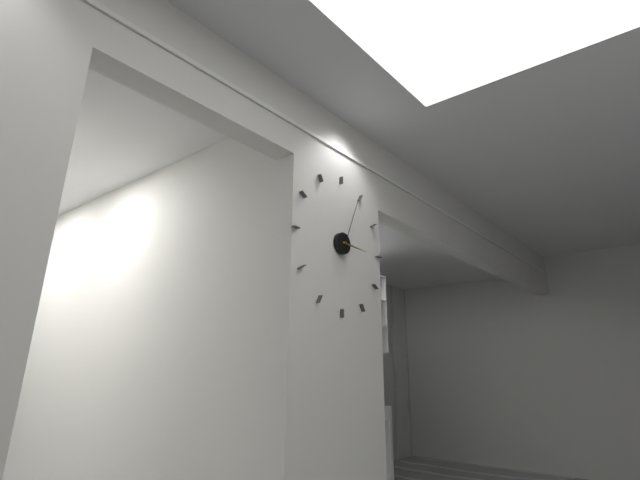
3:04
